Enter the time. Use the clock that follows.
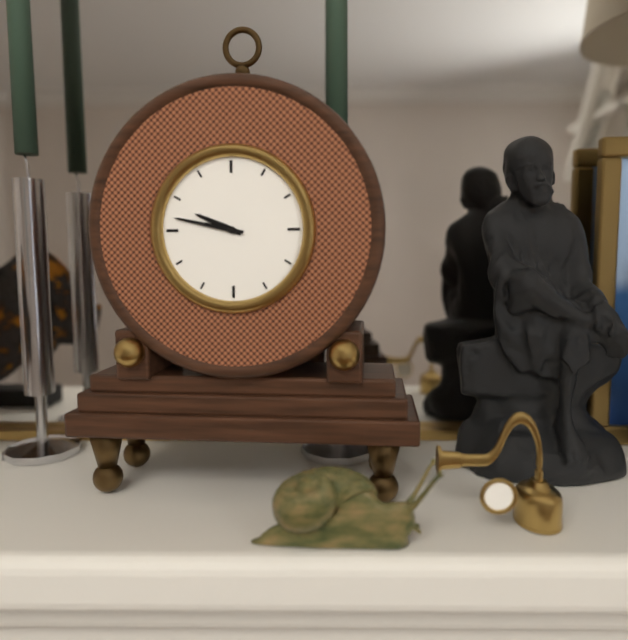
9:47
